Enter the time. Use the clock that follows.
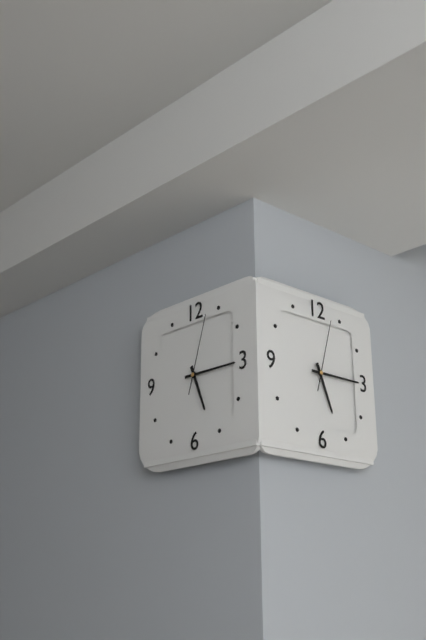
5:15:03
